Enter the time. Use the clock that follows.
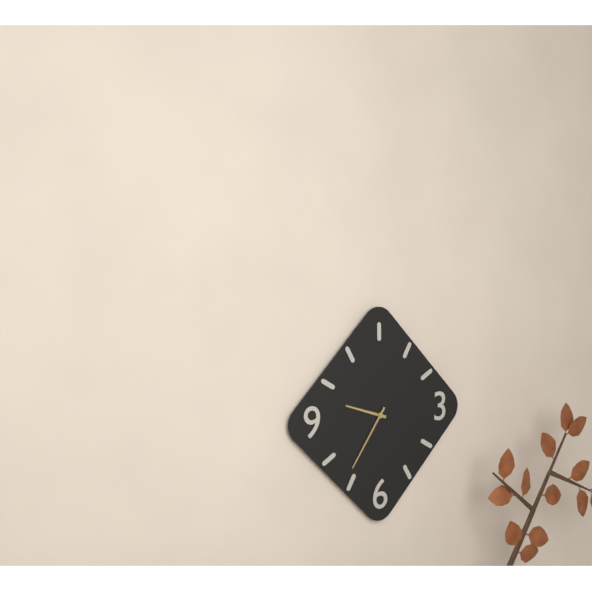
9:36
